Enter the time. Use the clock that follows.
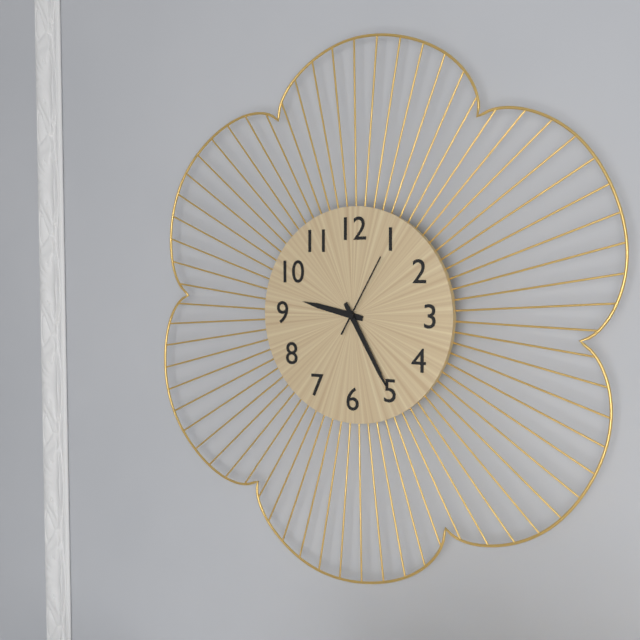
9:25:05
